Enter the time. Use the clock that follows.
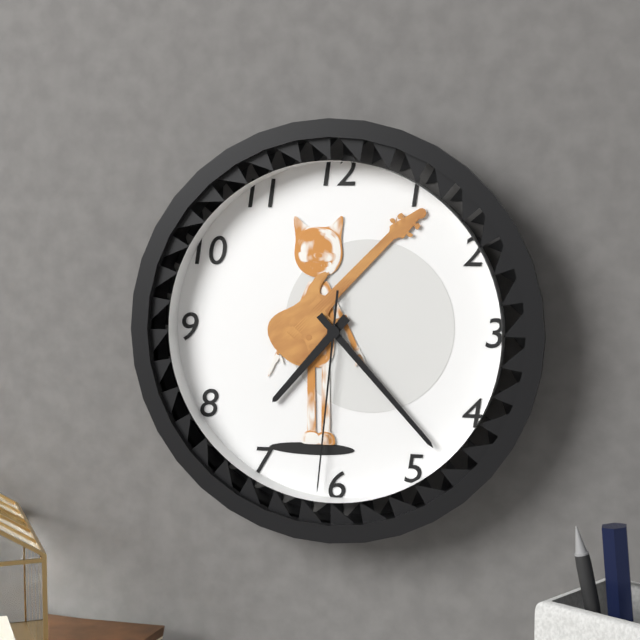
7:23:31
